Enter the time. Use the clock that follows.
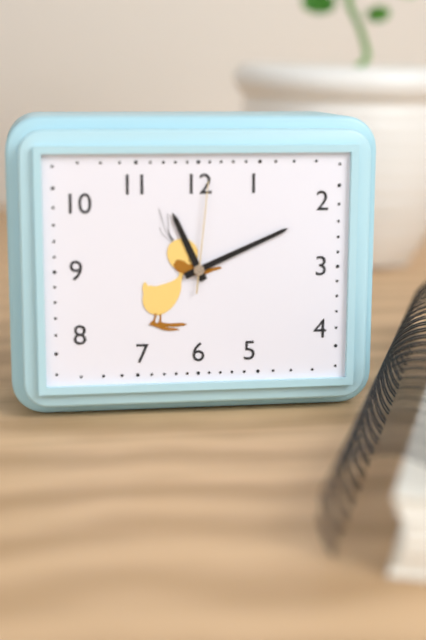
11:11:01
